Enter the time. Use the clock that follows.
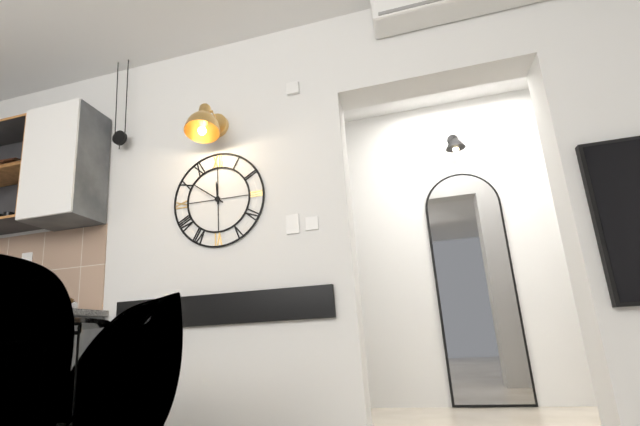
11:51
